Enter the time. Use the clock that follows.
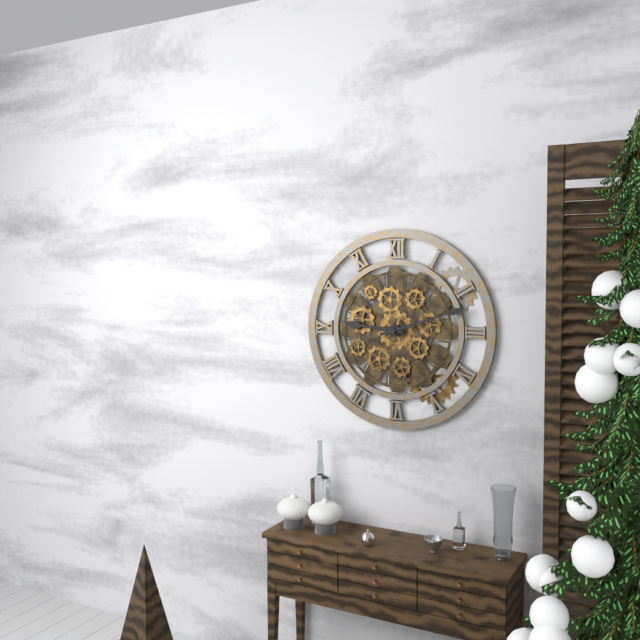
9:12
